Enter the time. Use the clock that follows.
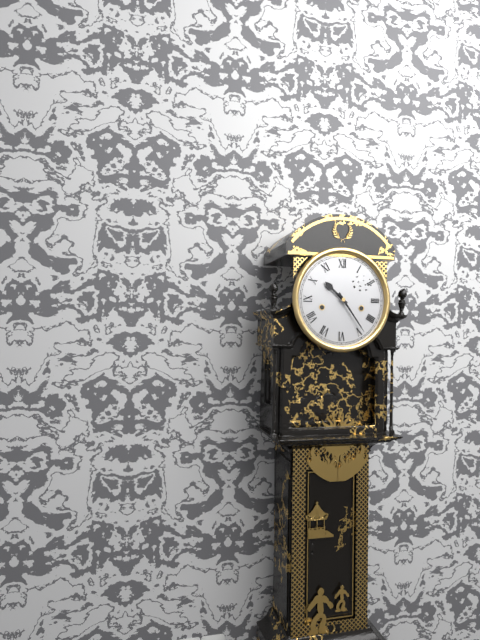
10:24
